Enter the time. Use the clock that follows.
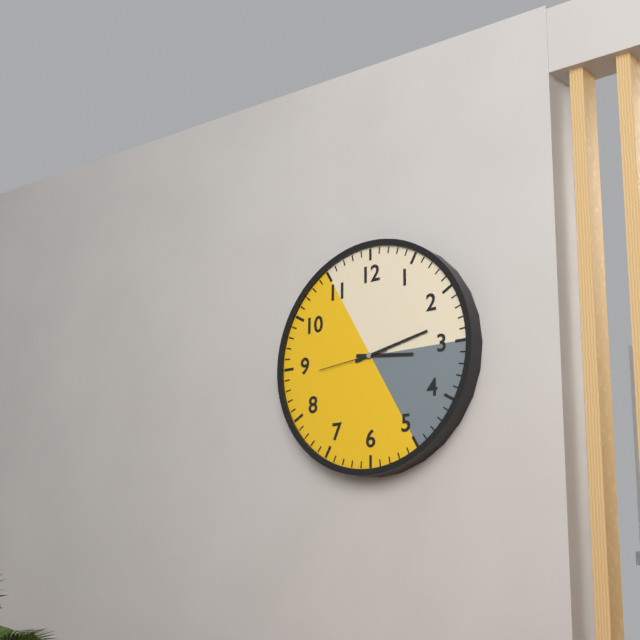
3:13:44
